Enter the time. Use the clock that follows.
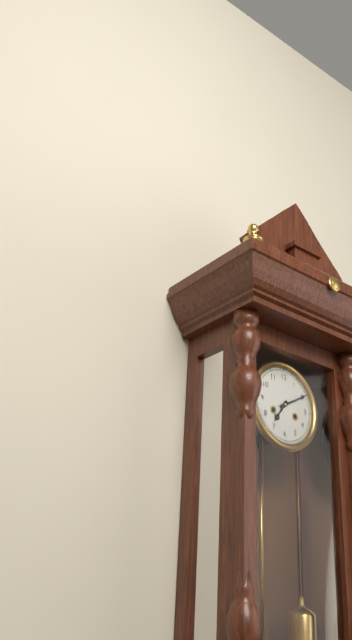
7:10
